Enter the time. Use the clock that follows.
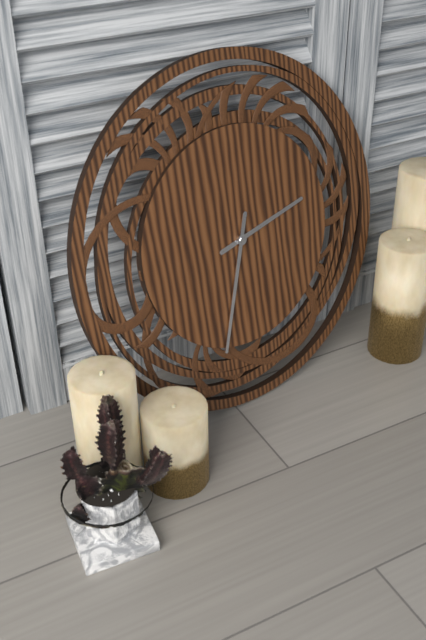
2:33
